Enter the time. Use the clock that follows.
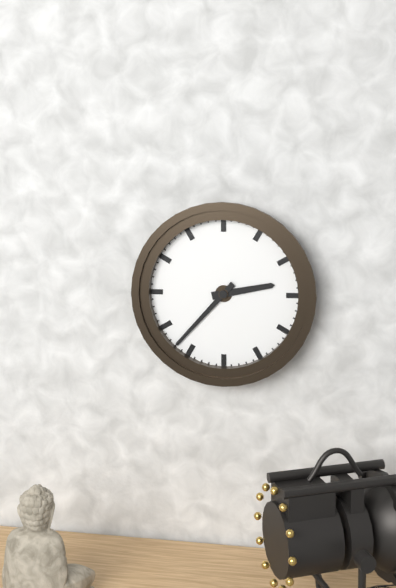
2:37
